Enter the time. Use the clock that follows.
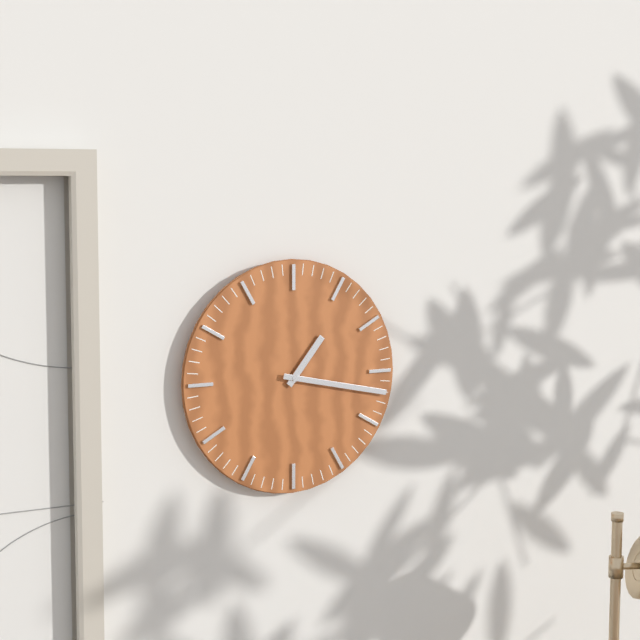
1:17
